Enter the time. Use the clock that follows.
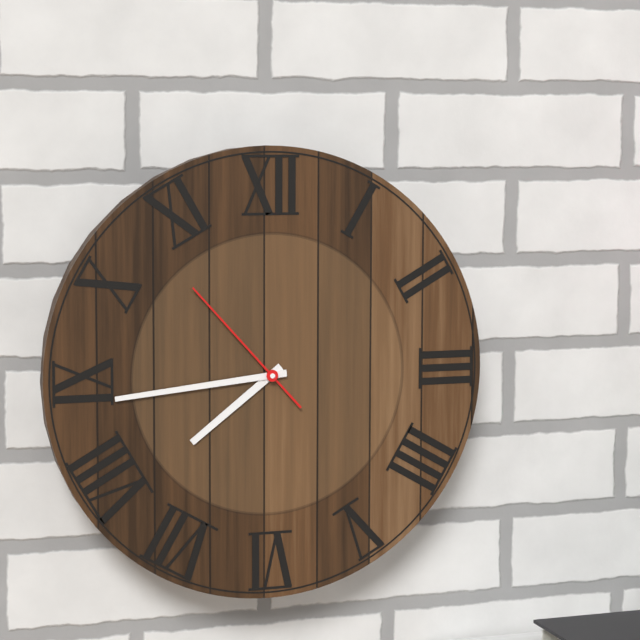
7:44:53
